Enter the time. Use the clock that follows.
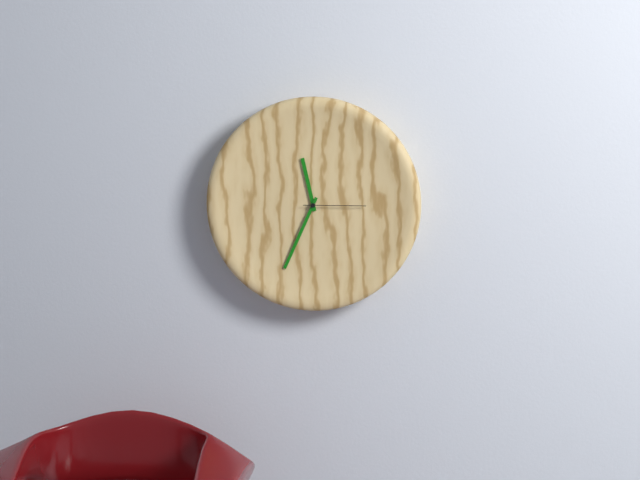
11:34:15
